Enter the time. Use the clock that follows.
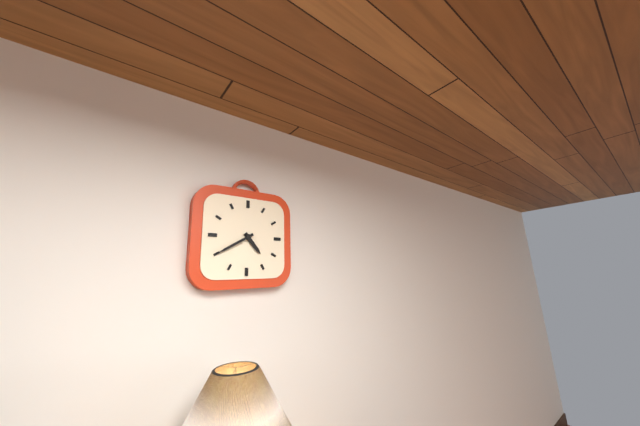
4:40
